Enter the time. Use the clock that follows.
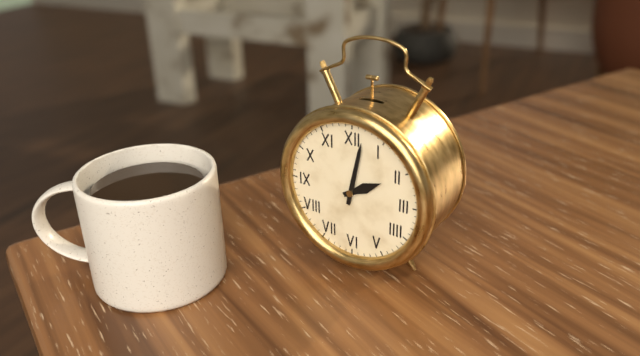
2:02
